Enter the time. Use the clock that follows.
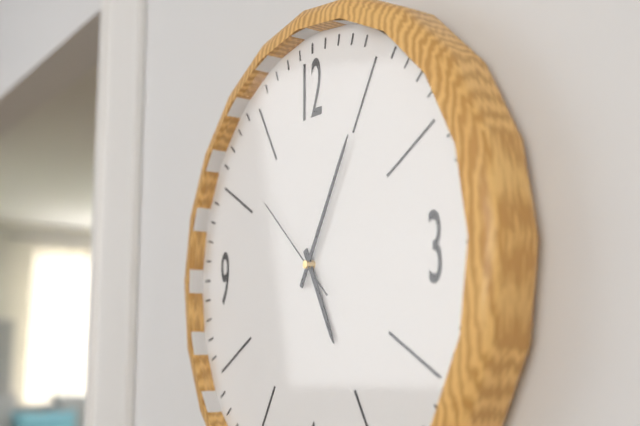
5:05:52
